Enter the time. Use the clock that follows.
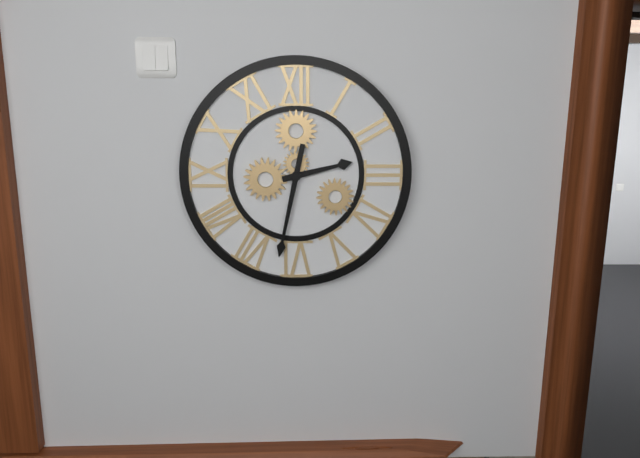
2:32
